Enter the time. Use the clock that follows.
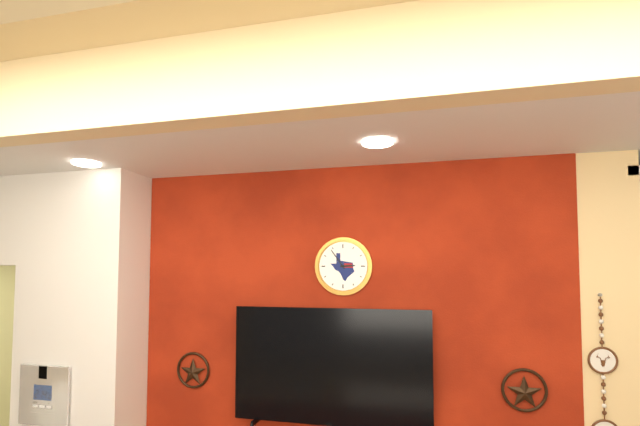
2:54
